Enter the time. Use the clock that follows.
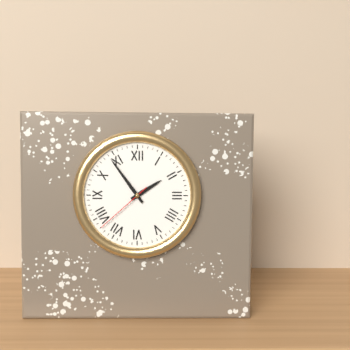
1:54:38
